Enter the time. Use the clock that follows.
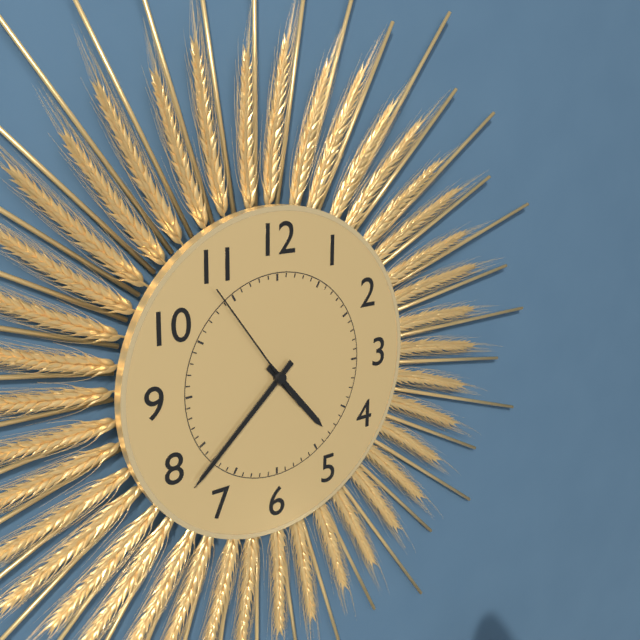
4:38:54
